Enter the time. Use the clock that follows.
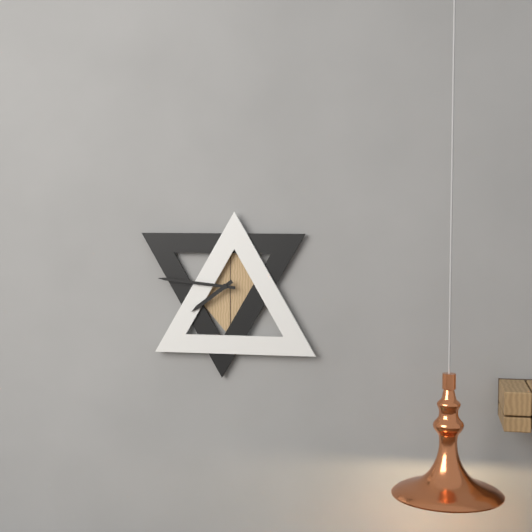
7:46
